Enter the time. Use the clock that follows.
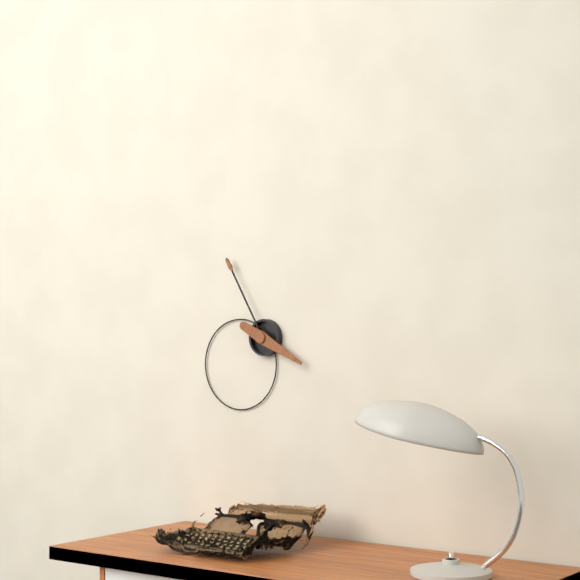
3:55
